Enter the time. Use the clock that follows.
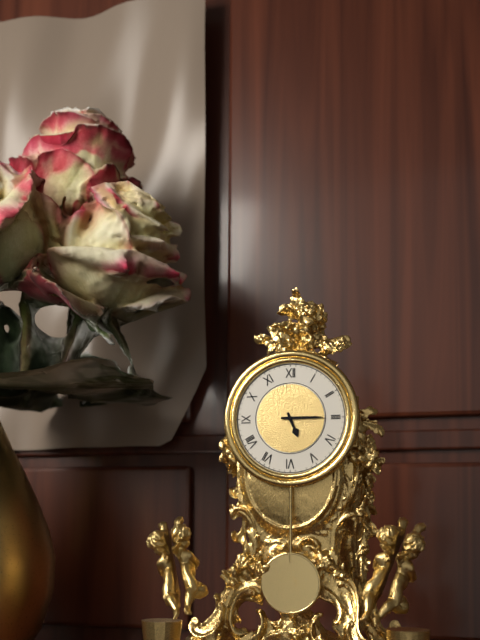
5:15
